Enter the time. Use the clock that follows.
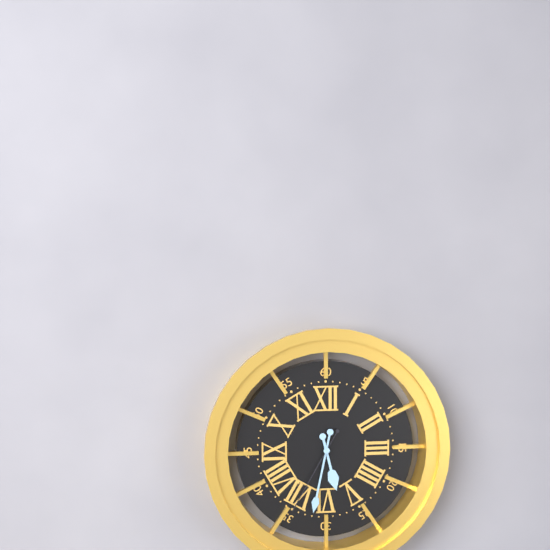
5:32:35
